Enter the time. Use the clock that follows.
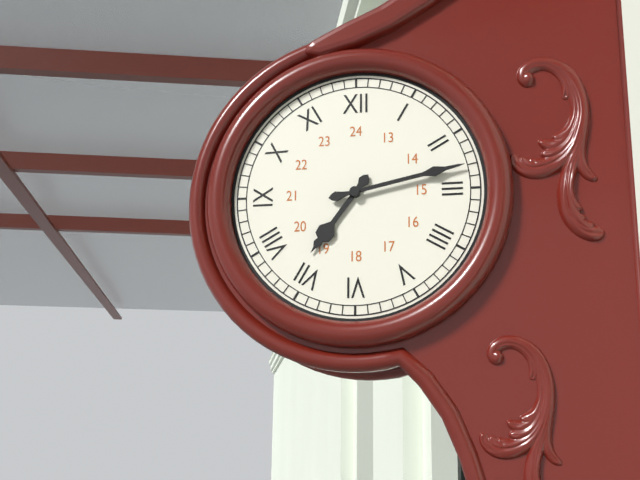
7:13
